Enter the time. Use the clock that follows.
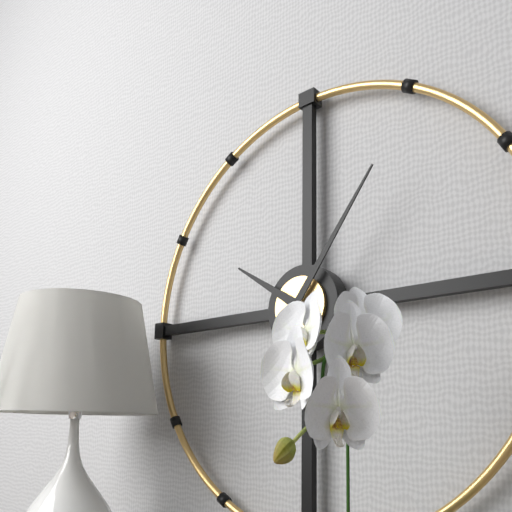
10:06
